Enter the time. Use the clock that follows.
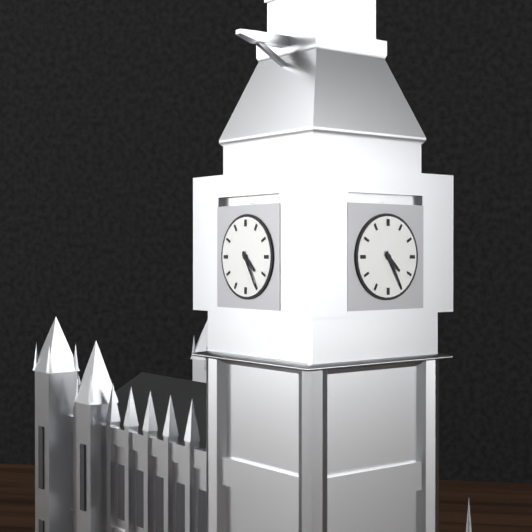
4:25
